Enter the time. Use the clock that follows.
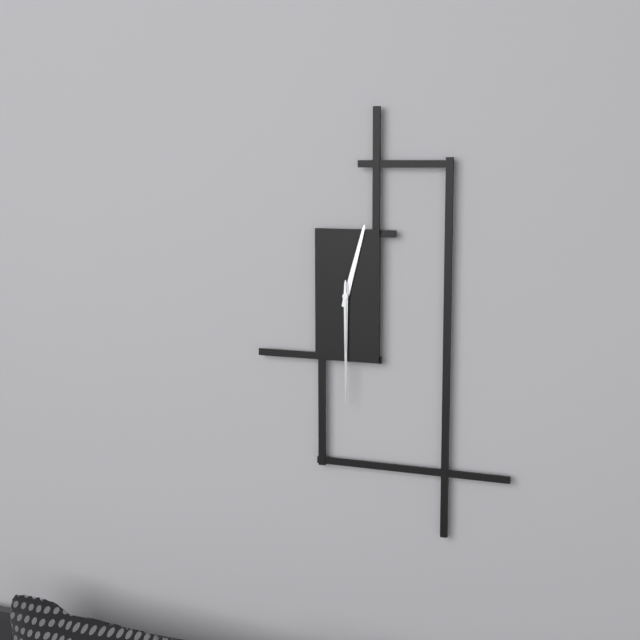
12:30:30
